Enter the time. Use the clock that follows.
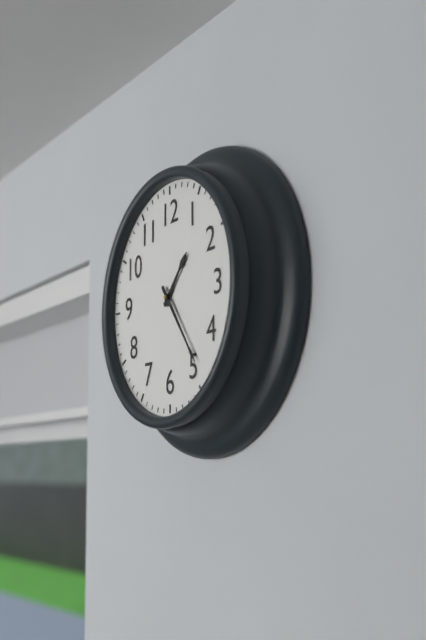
1:24
